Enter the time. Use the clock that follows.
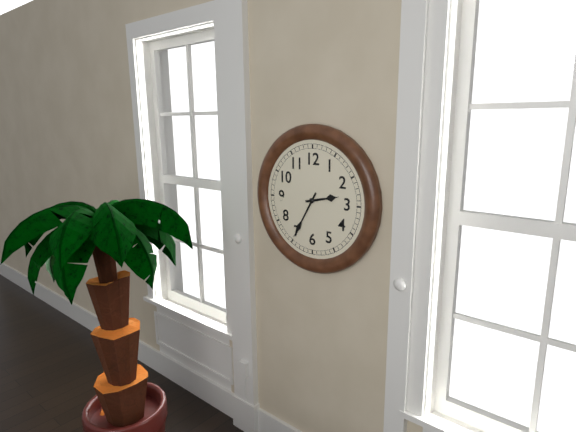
2:35
